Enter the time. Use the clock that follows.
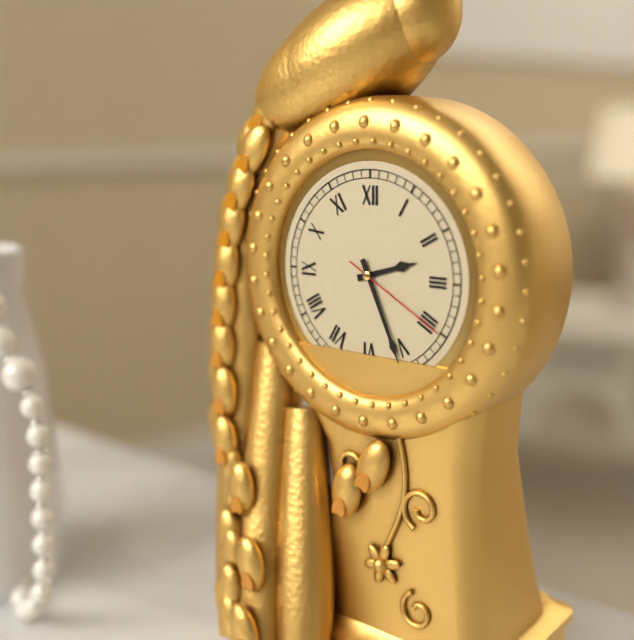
2:26:20
